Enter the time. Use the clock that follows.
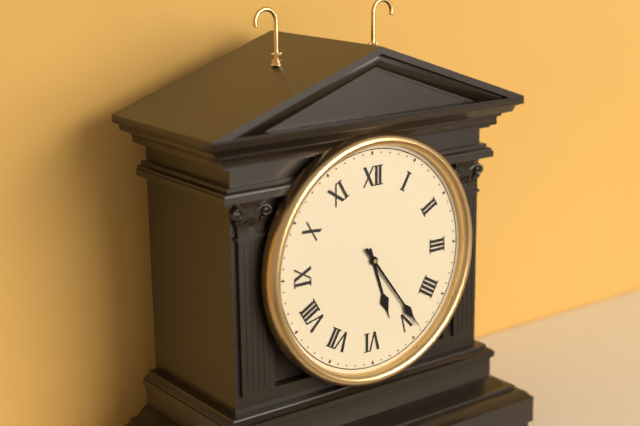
5:24
